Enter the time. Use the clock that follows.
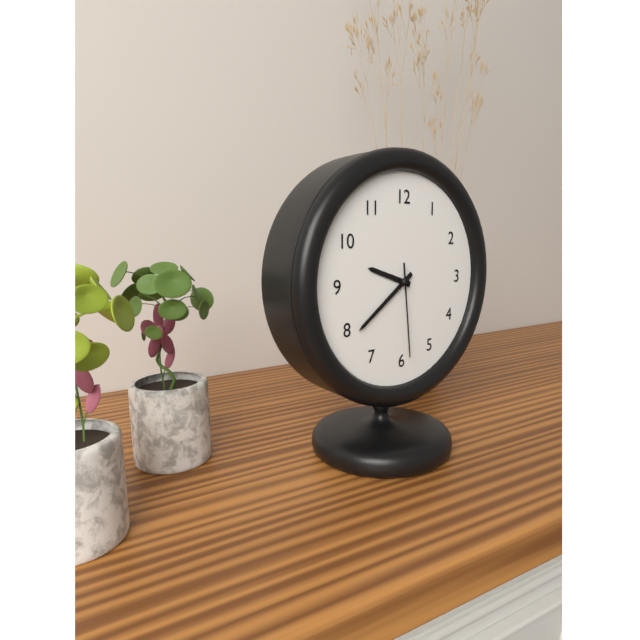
9:39:29
